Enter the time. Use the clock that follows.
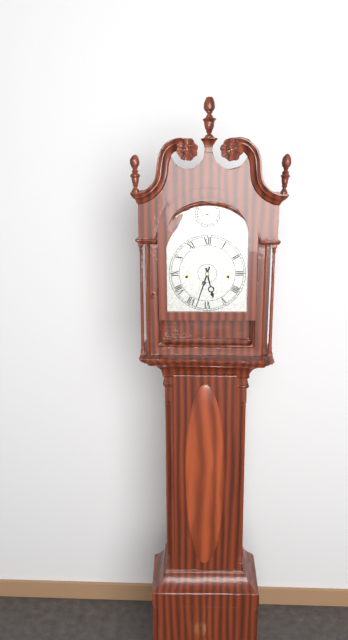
5:33
